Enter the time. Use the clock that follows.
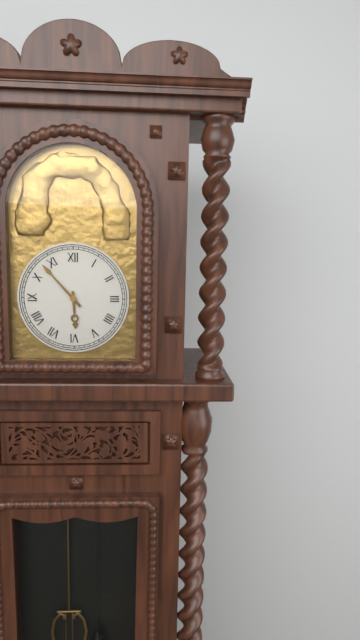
5:53
